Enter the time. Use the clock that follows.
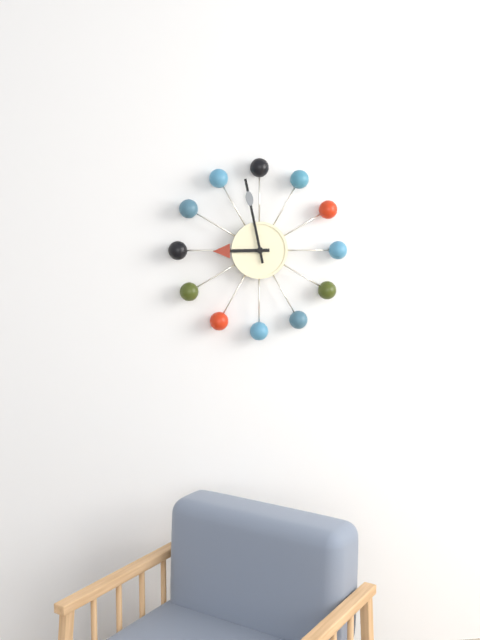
8:58
